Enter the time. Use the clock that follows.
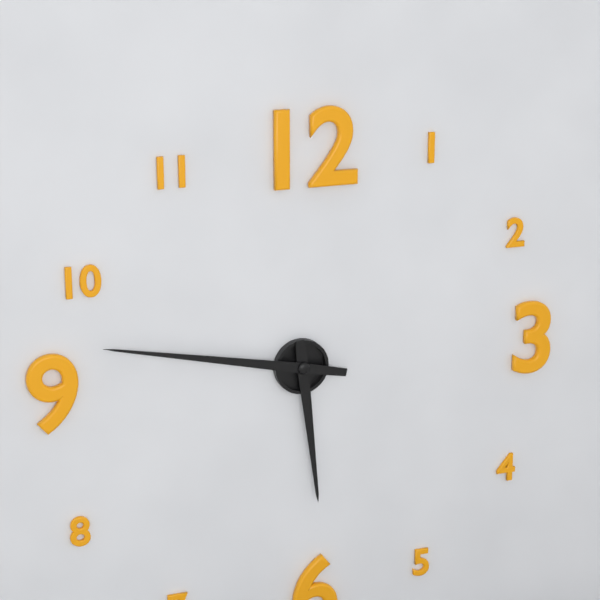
5:47
